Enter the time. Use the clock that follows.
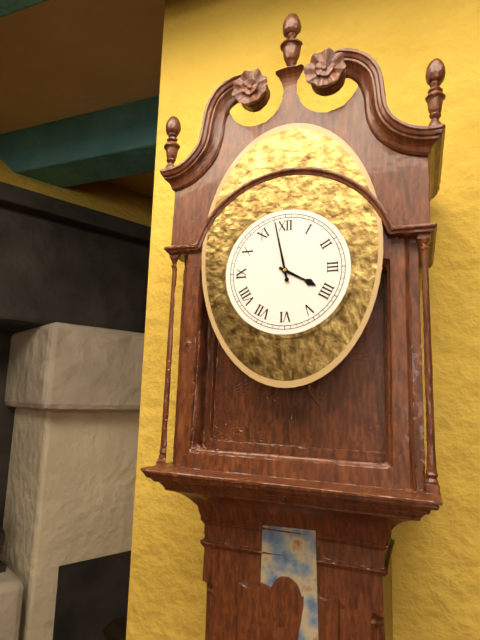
3:58
